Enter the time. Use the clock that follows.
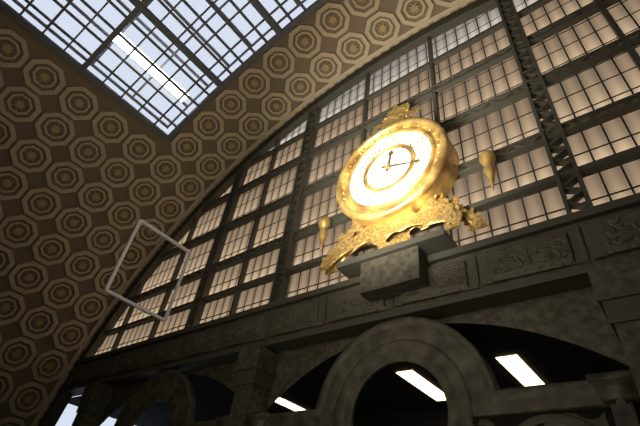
12:18
